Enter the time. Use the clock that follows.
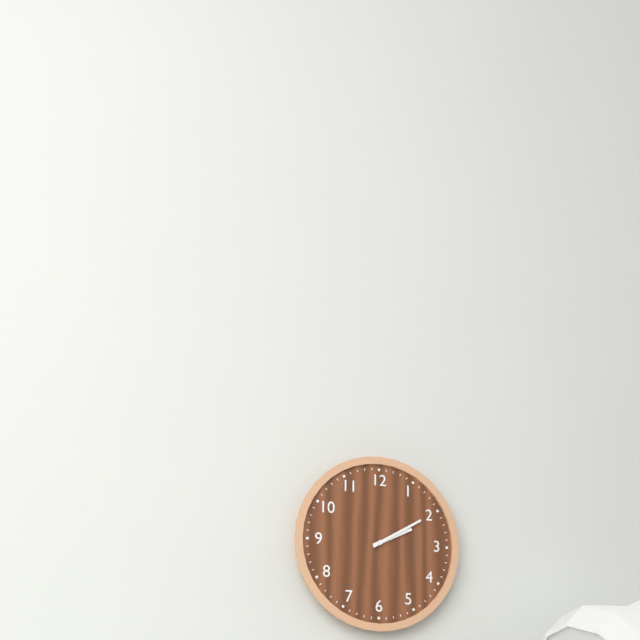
2:10
